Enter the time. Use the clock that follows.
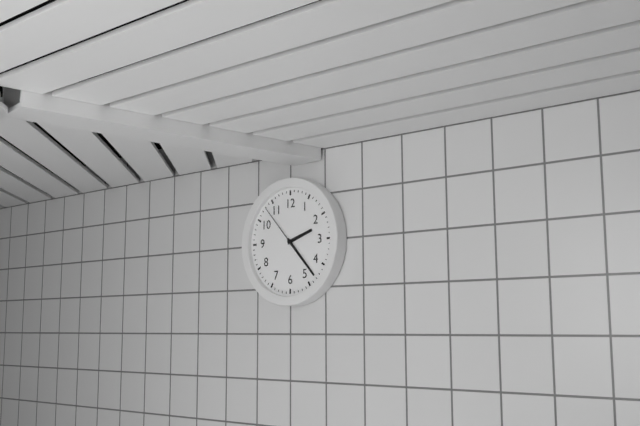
2:23:53
